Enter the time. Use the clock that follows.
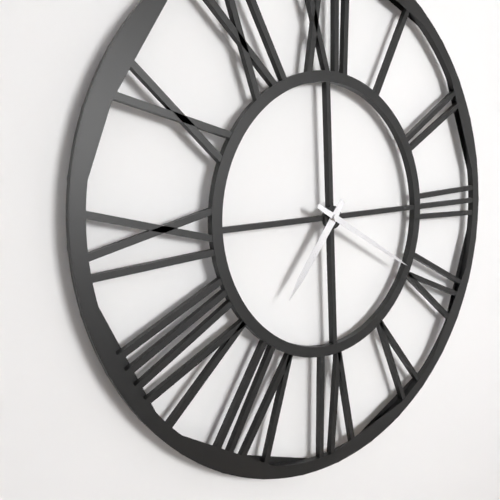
7:20
